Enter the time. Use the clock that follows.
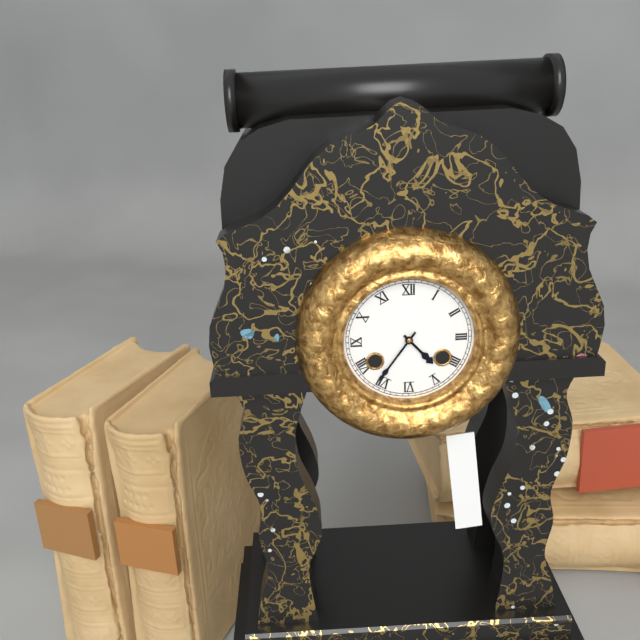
4:36
